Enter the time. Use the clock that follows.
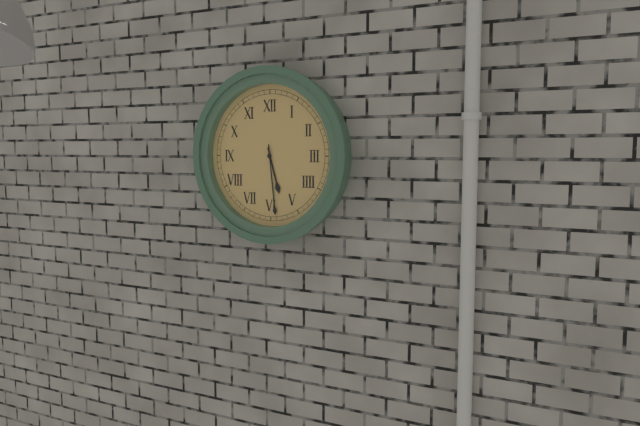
5:29
